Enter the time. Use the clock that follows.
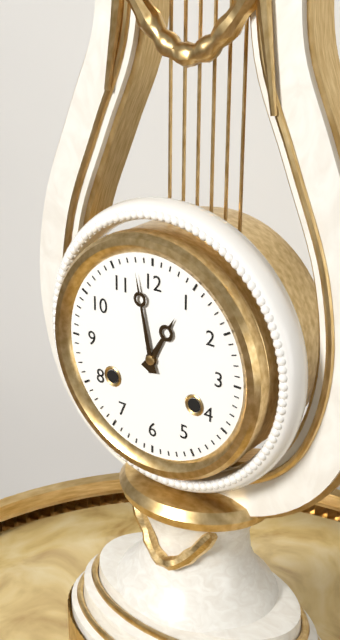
12:58
